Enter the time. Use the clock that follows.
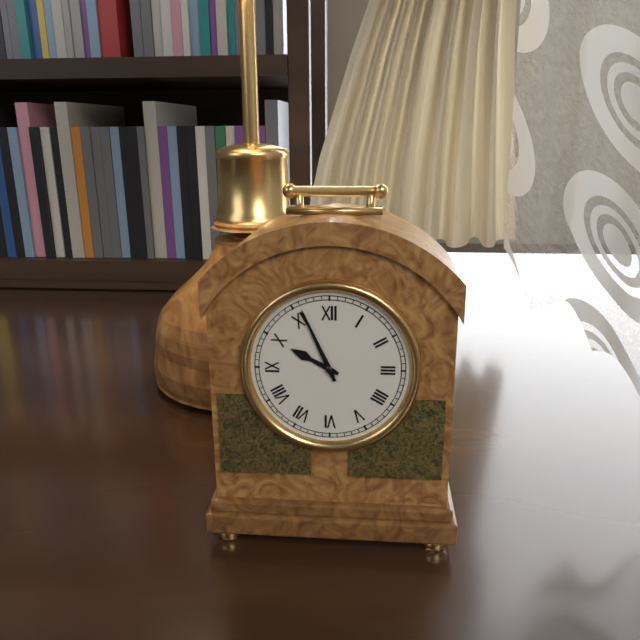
9:56
